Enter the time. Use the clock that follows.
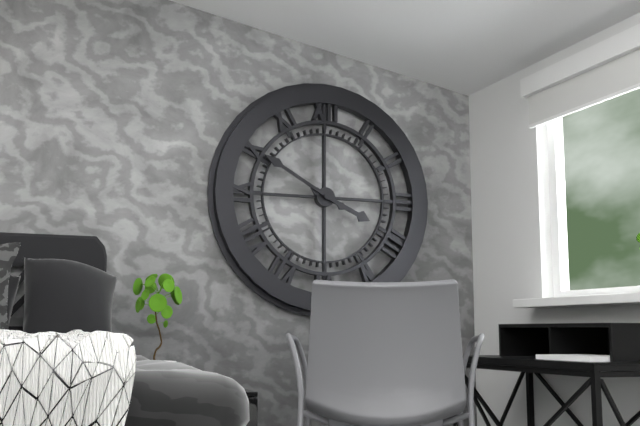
3:50
